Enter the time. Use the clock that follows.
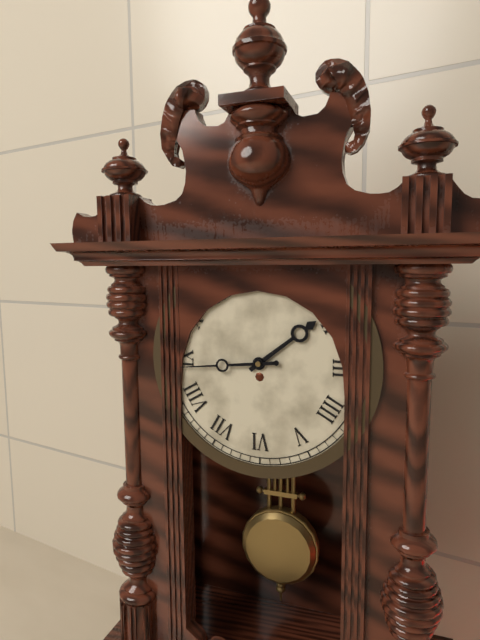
1:44
